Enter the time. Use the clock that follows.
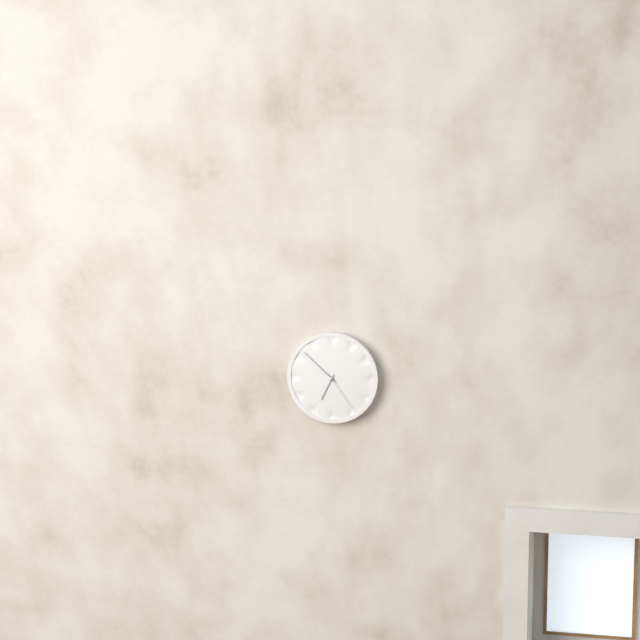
6:52
